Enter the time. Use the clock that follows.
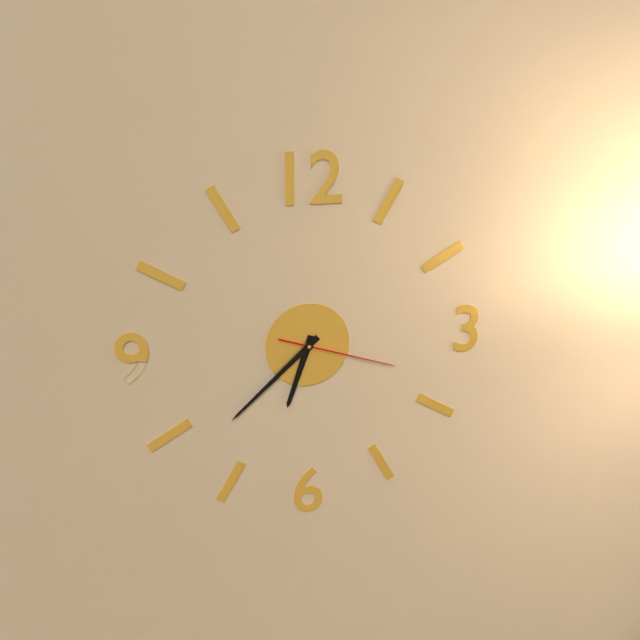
6:38:18
